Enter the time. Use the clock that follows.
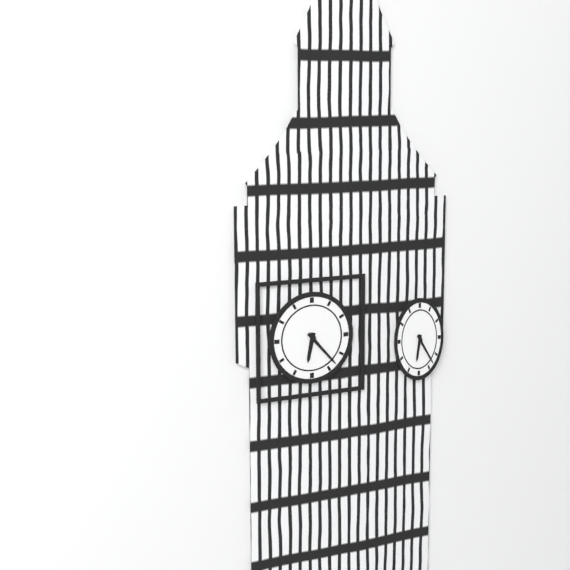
6:23
